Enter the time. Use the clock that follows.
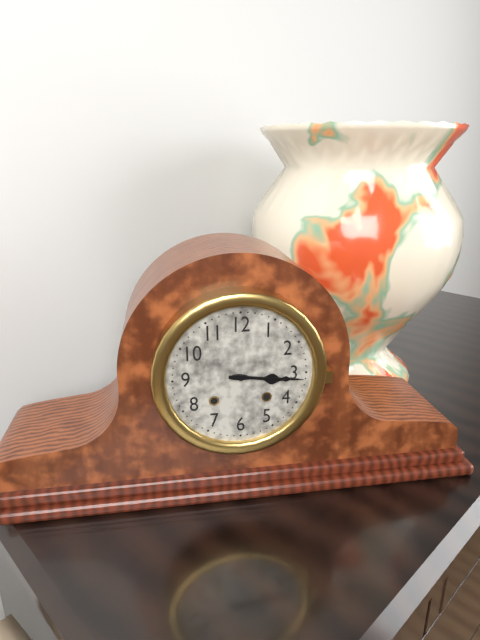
3:16
